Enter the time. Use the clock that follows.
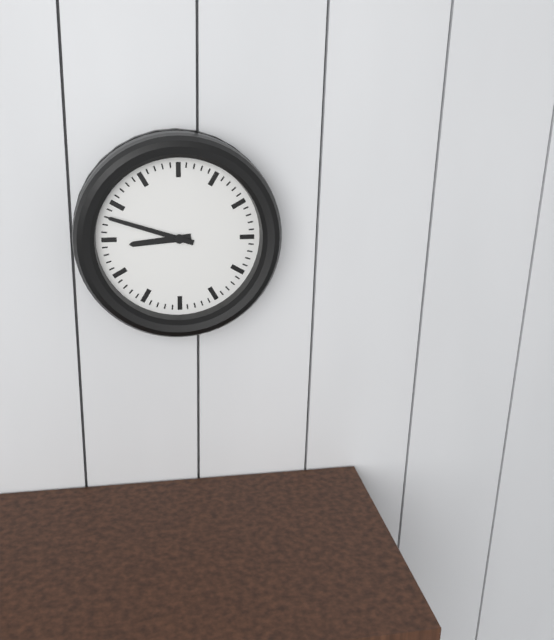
8:48
